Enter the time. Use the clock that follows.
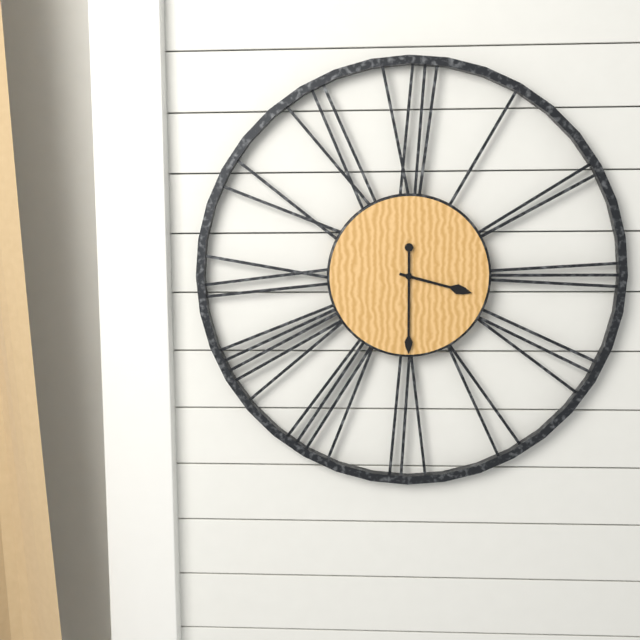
3:30
